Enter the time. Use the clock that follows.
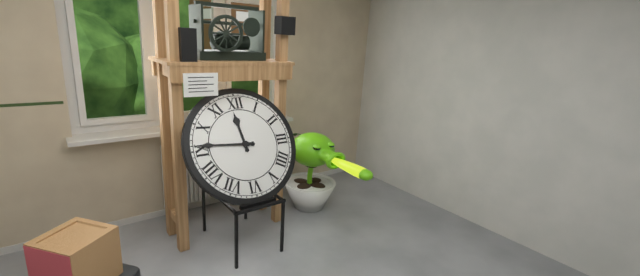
11:46
